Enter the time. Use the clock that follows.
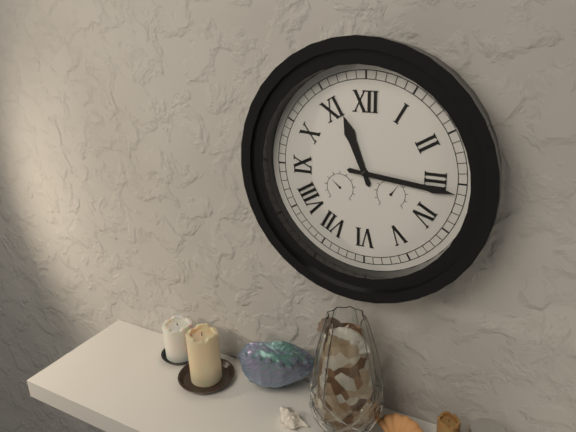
11:16
